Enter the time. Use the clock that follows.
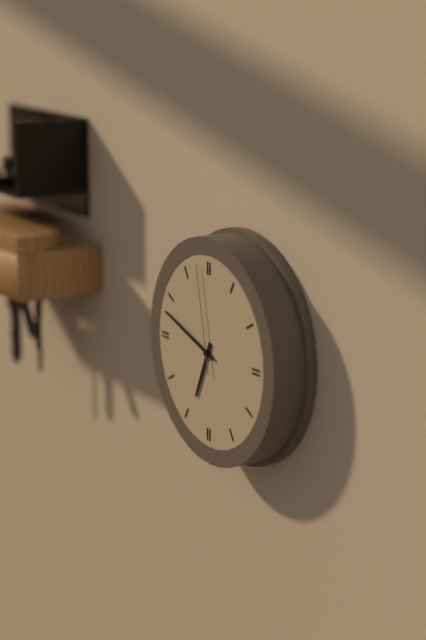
6:48:58
